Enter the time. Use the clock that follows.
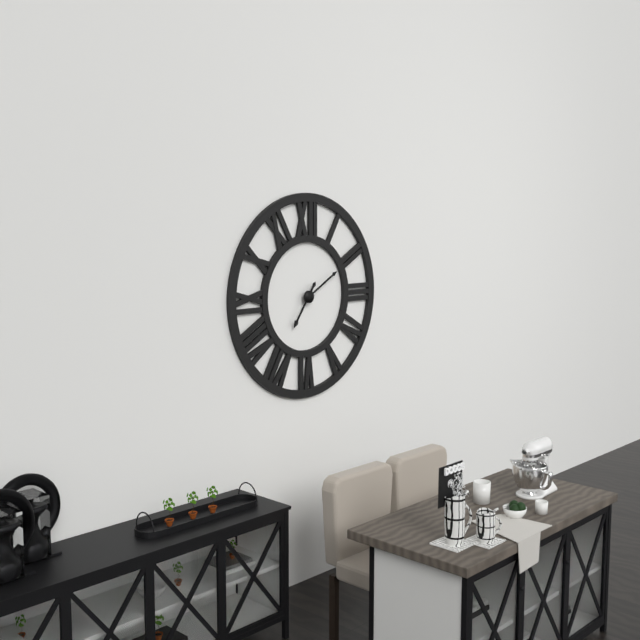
7:10
